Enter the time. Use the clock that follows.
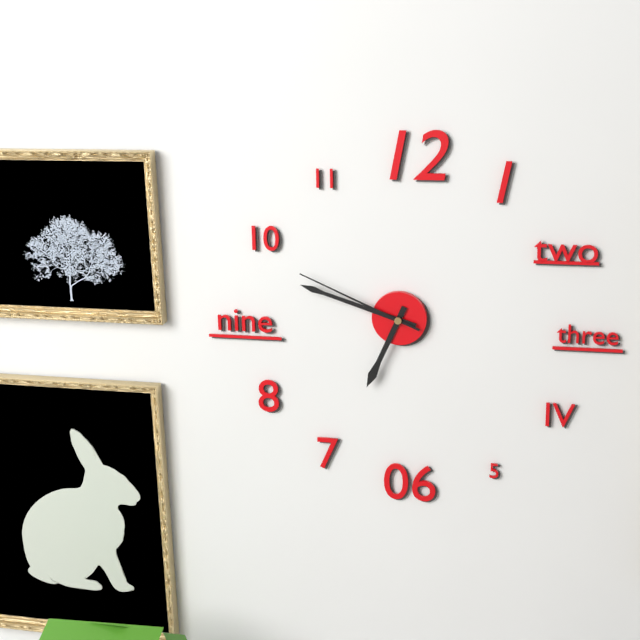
6:48:49
